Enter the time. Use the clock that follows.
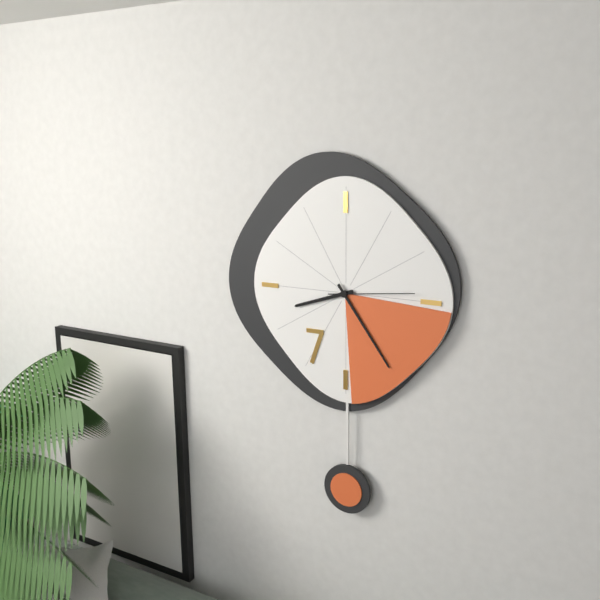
8:24:14
